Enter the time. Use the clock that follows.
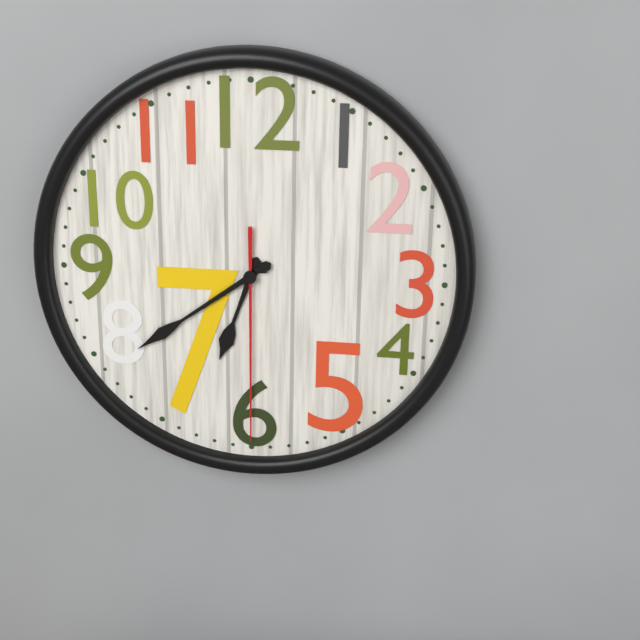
6:39:30
